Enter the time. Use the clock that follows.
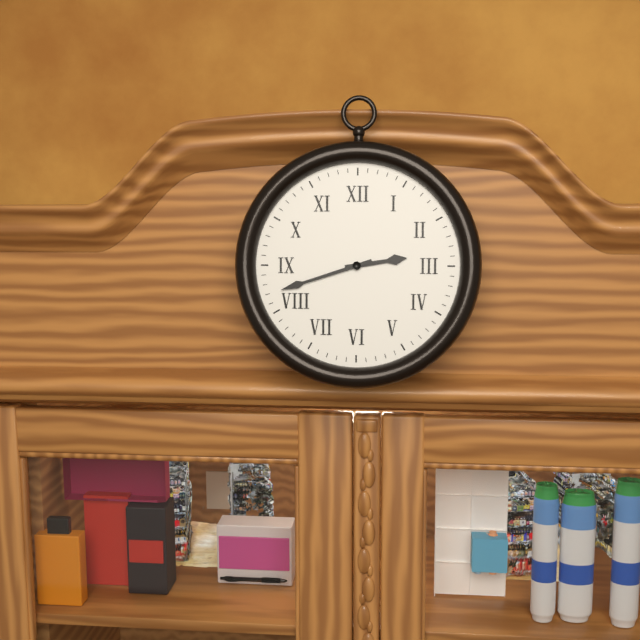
2:42
